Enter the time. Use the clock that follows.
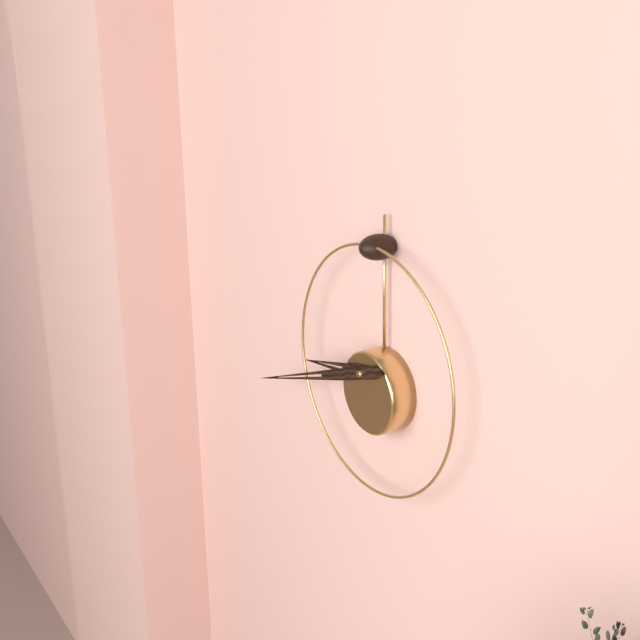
8:42
